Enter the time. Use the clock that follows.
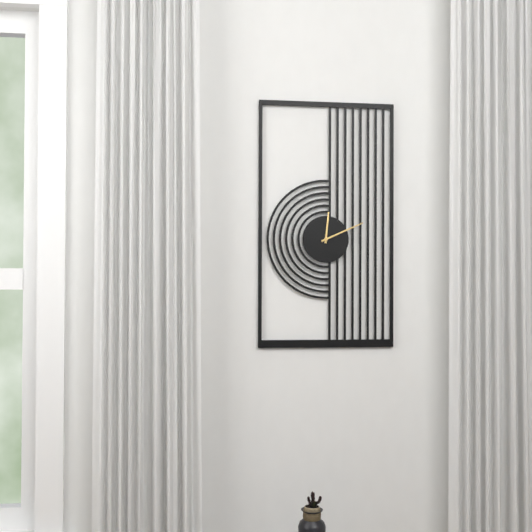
12:11
